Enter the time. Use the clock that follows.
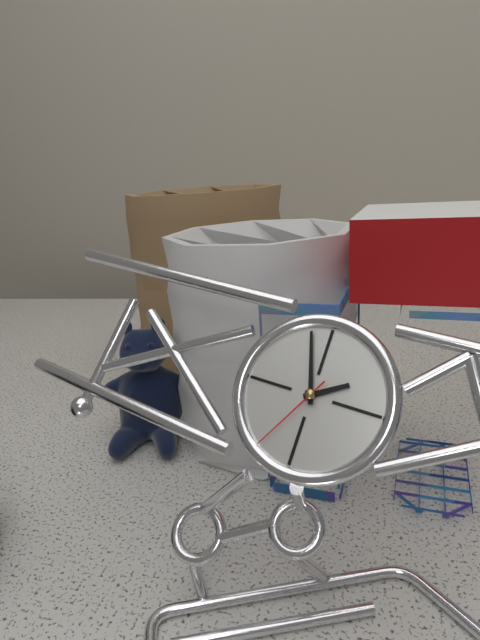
1:57:35
